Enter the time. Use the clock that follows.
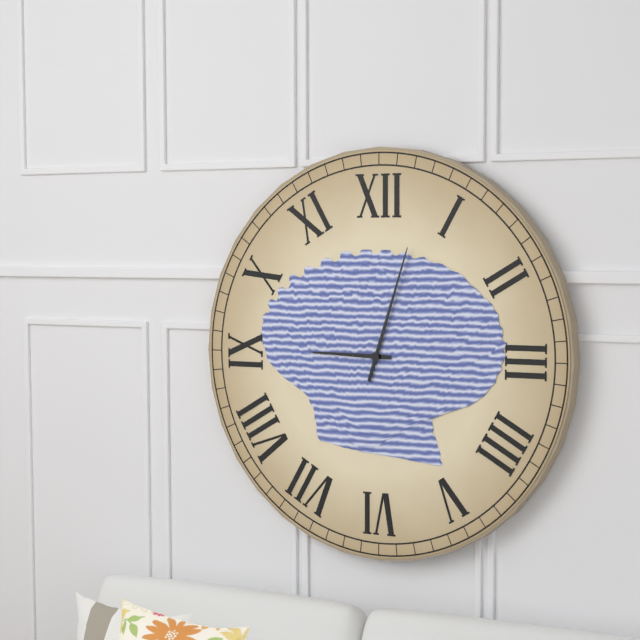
9:03
